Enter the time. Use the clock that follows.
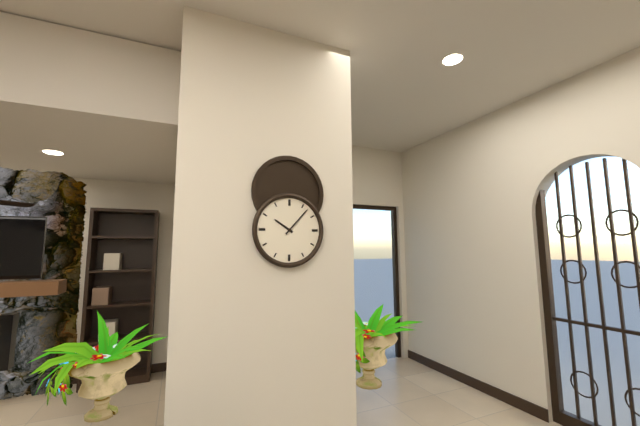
10:07
